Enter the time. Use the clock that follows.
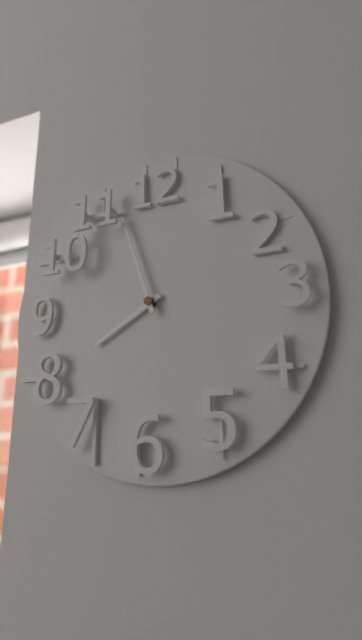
7:57
